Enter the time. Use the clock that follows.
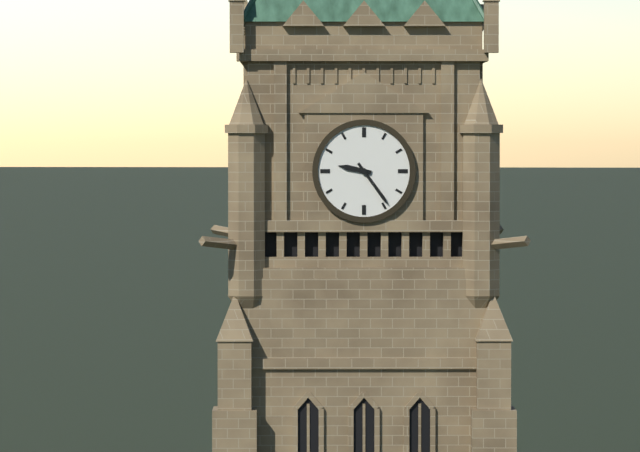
9:24
